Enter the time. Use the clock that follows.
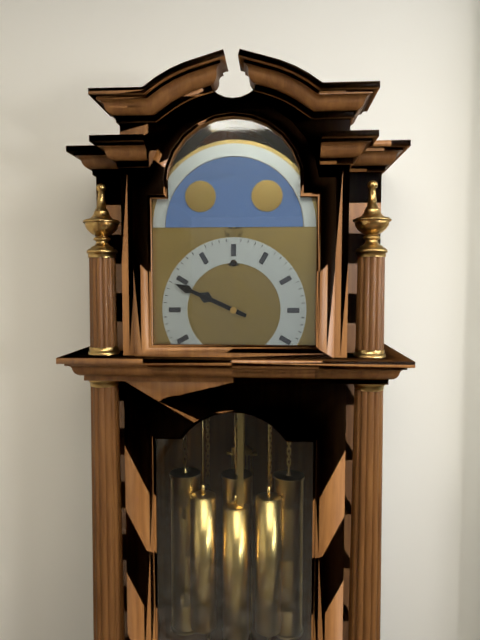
9:49
